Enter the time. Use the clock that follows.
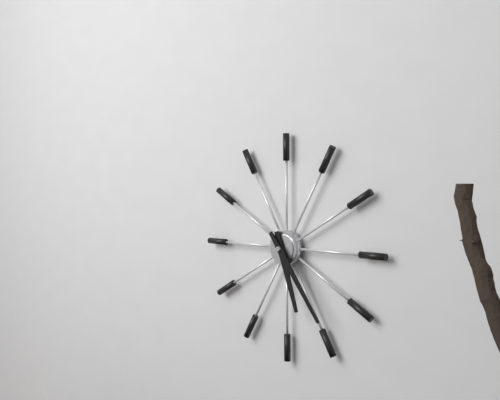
5:24
